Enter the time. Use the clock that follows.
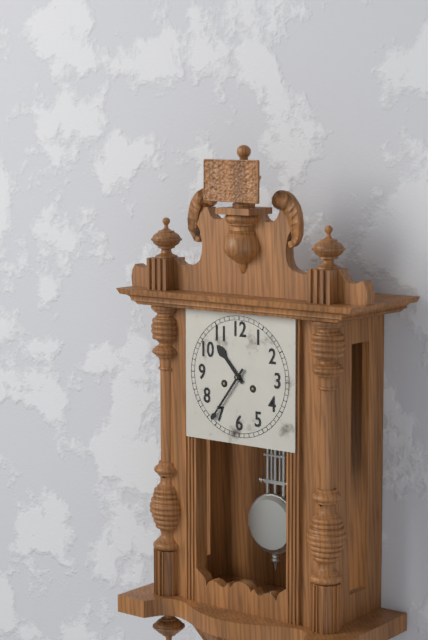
10:36
